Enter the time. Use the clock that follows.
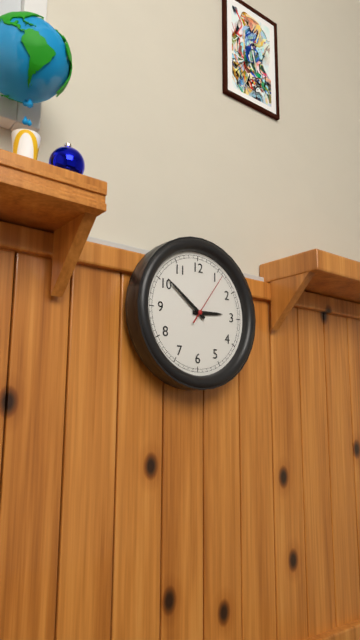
2:51:06
